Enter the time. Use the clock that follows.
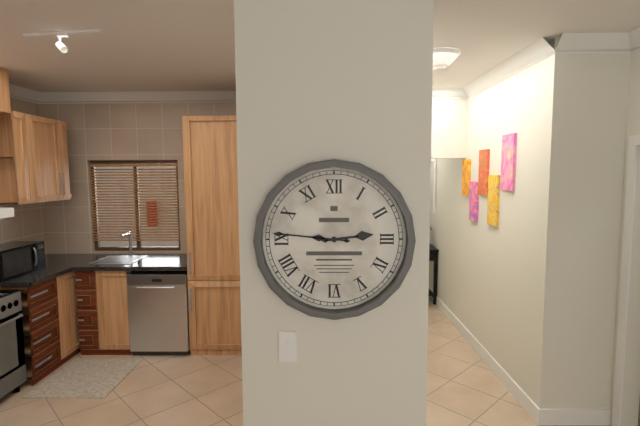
2:46
